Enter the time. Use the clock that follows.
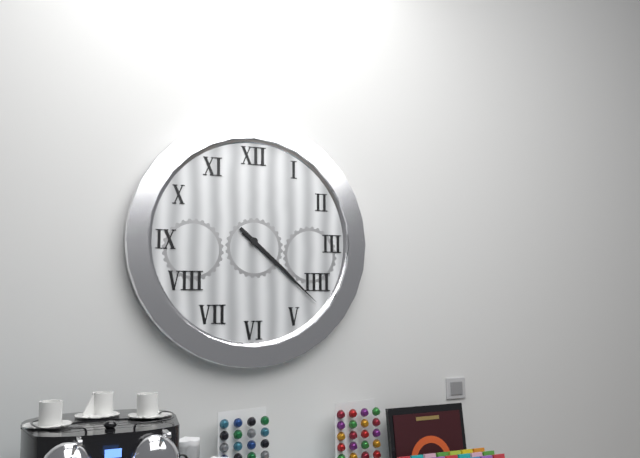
4:22
